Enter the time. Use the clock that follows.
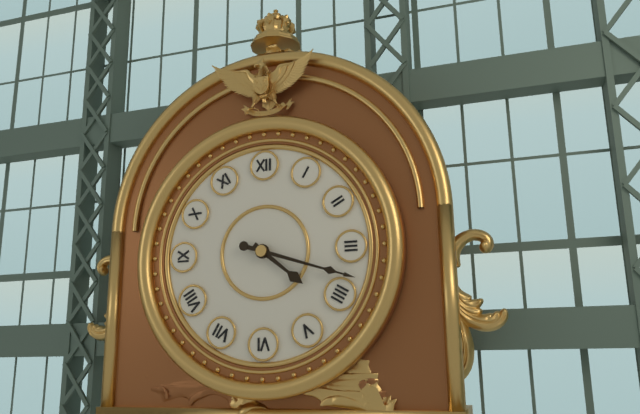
4:18
